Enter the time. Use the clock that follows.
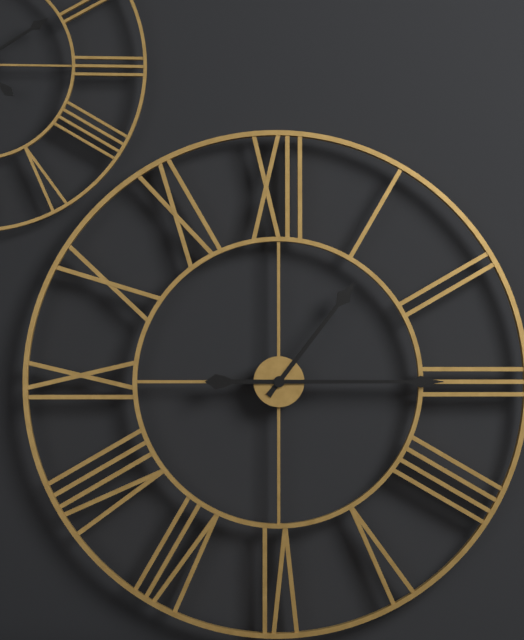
1:15
